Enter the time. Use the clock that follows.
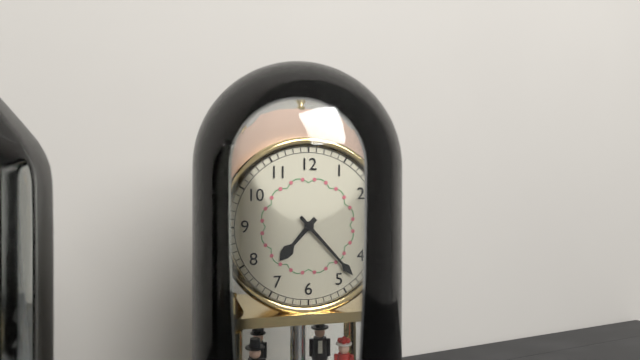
7:23
